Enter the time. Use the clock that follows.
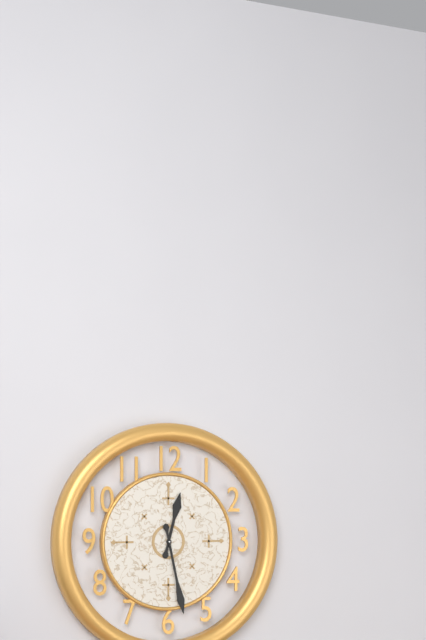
12:28
